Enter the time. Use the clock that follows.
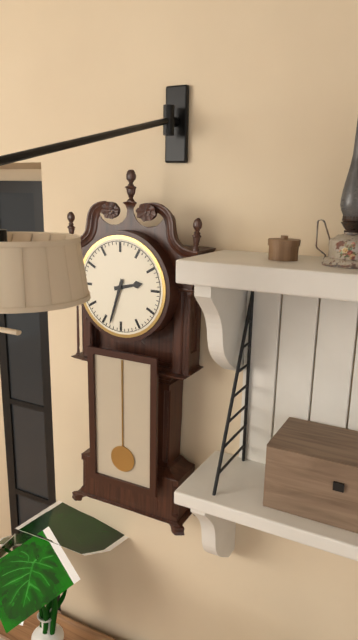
2:33
